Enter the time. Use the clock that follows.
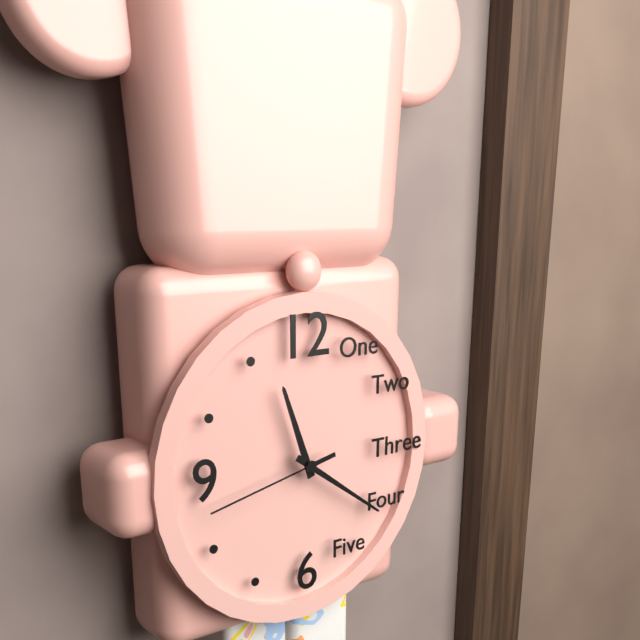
11:21:43
